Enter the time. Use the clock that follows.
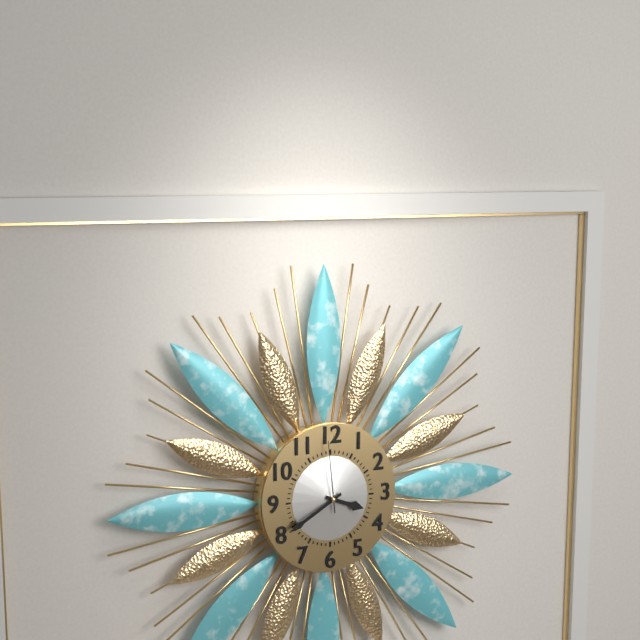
3:40:59
